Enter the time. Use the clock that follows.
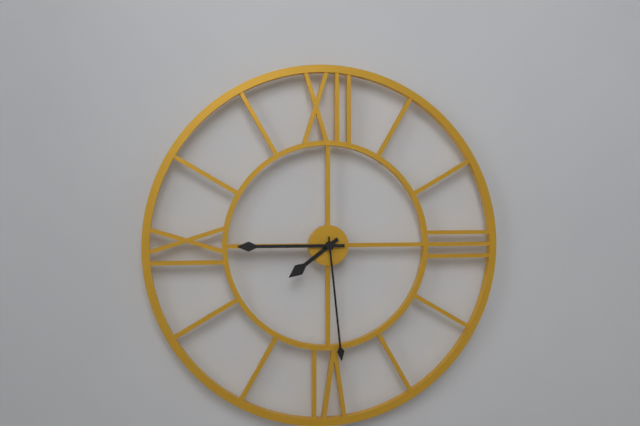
7:45:29
